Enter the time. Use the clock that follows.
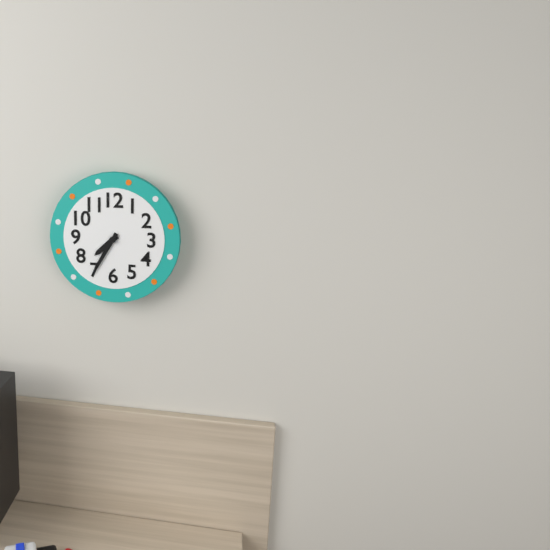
7:35
